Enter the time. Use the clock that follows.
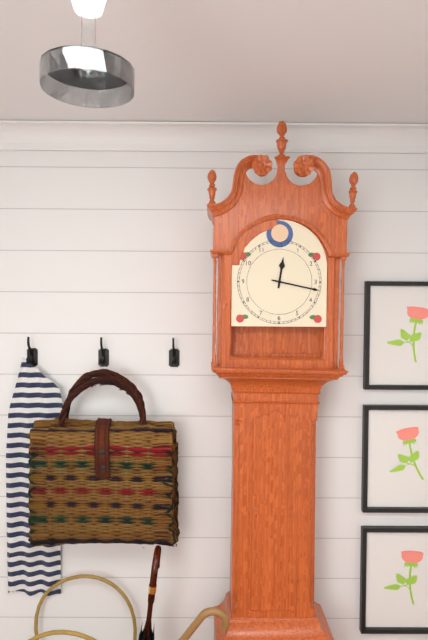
12:17
